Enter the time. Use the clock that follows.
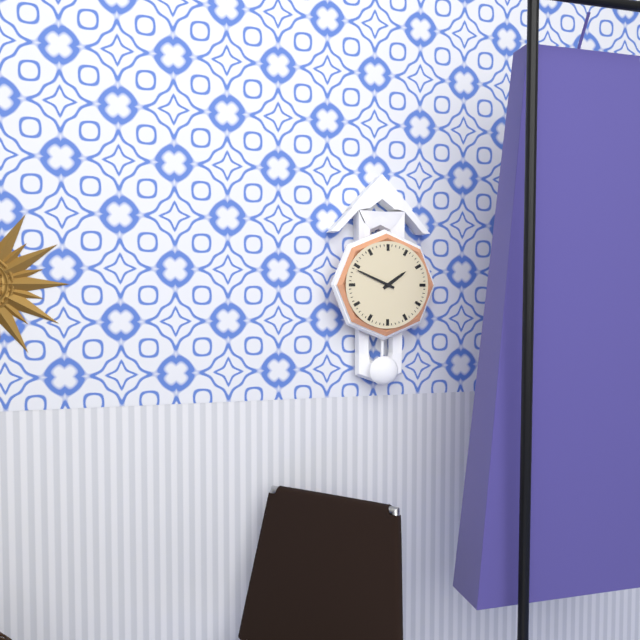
1:49
